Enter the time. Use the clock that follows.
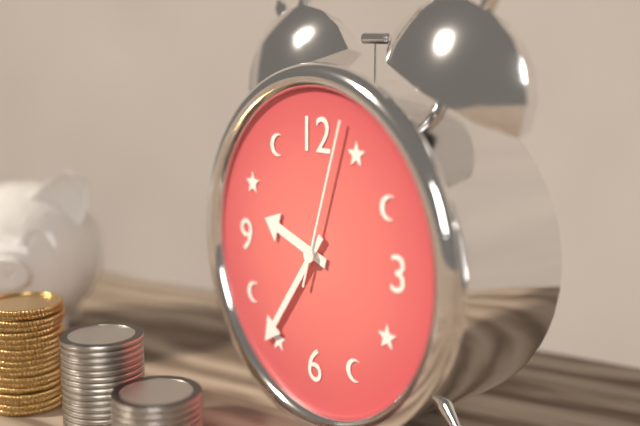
9:36:03
